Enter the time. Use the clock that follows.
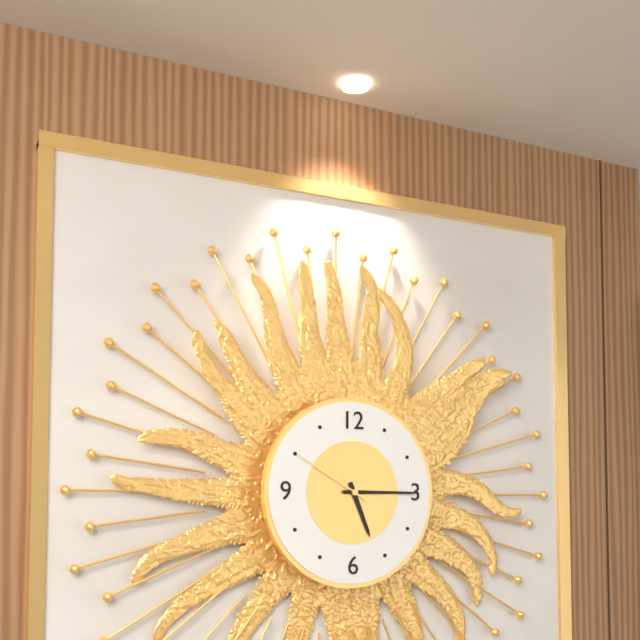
5:15:50
